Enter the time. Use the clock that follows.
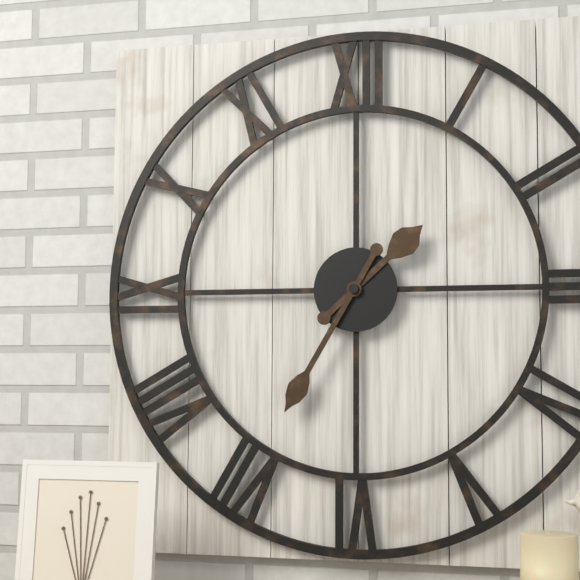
1:35
